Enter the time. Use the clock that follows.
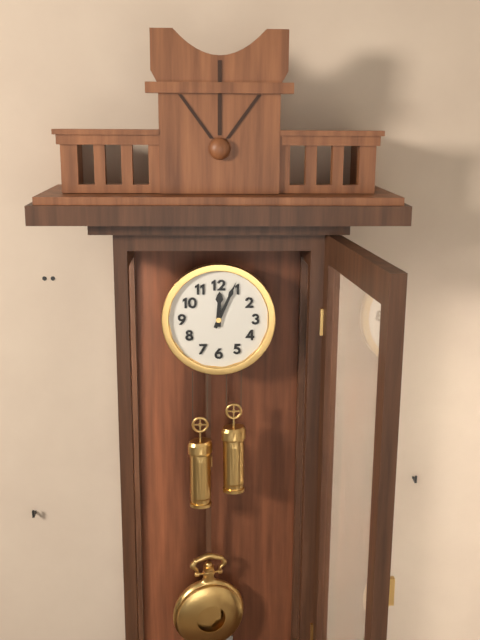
12:04
